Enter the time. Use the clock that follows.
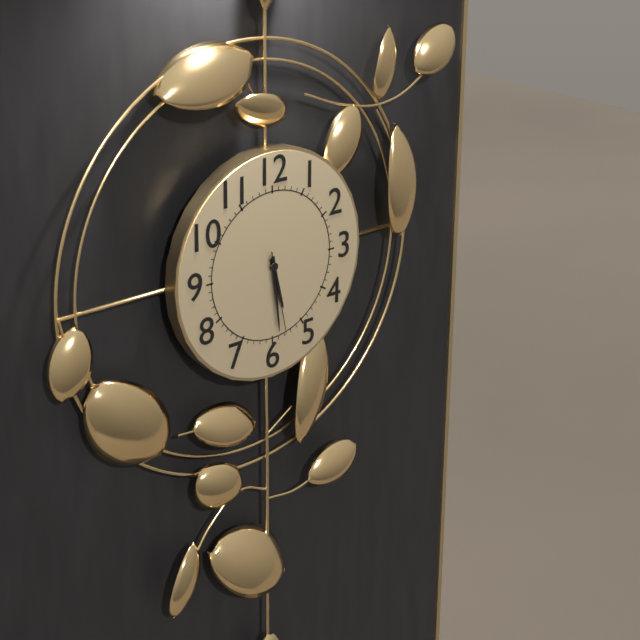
5:29:28
